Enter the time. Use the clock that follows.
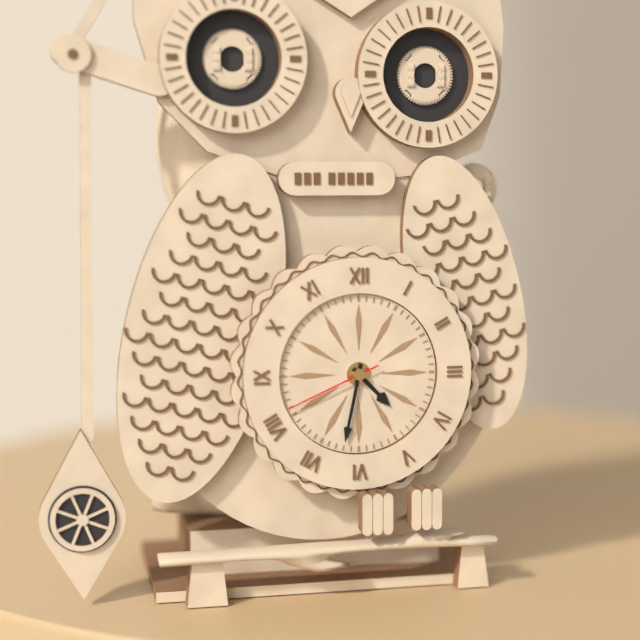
4:32:41
